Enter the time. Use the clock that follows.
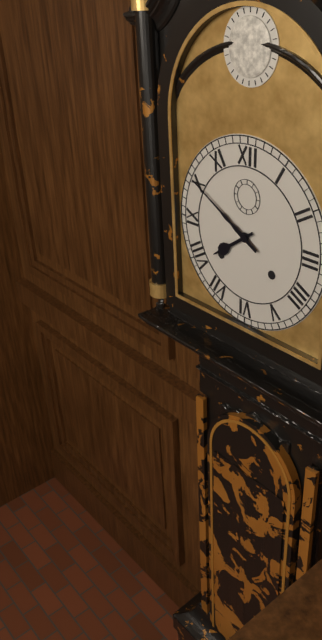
7:50
